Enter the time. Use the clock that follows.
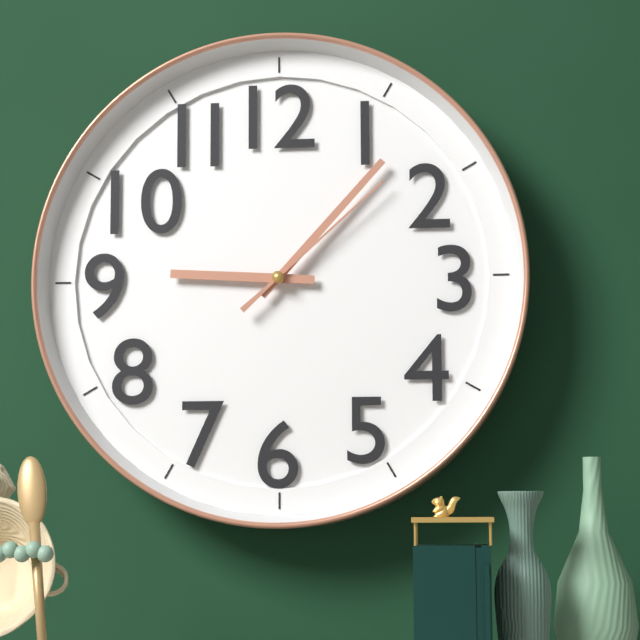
9:07:08
